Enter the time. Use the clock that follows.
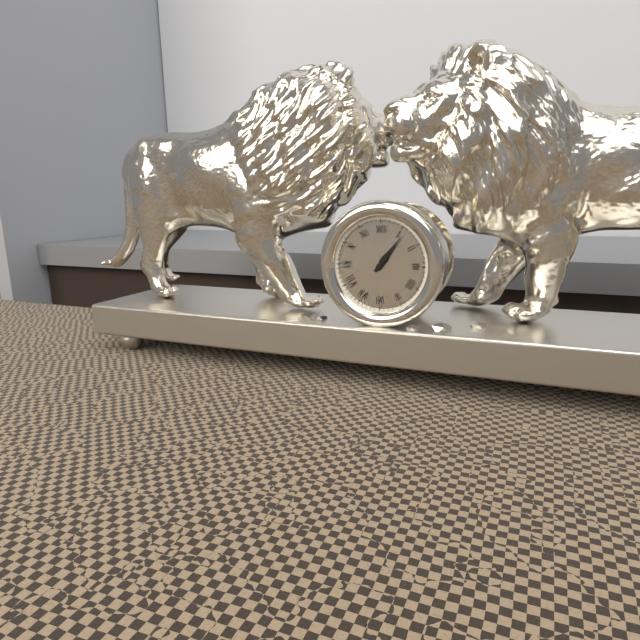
1:06
